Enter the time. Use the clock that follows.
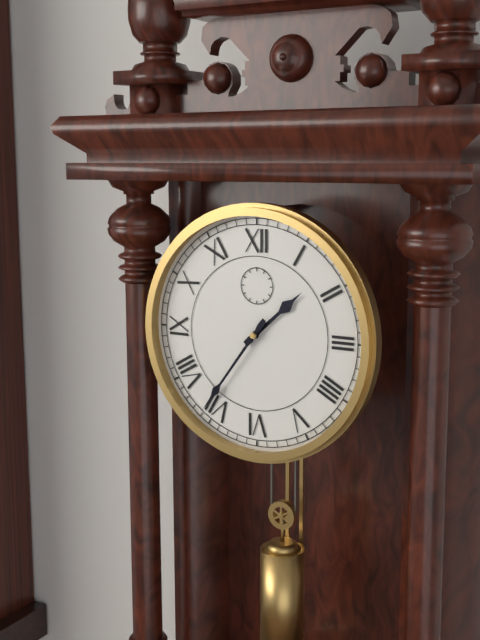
1:36
